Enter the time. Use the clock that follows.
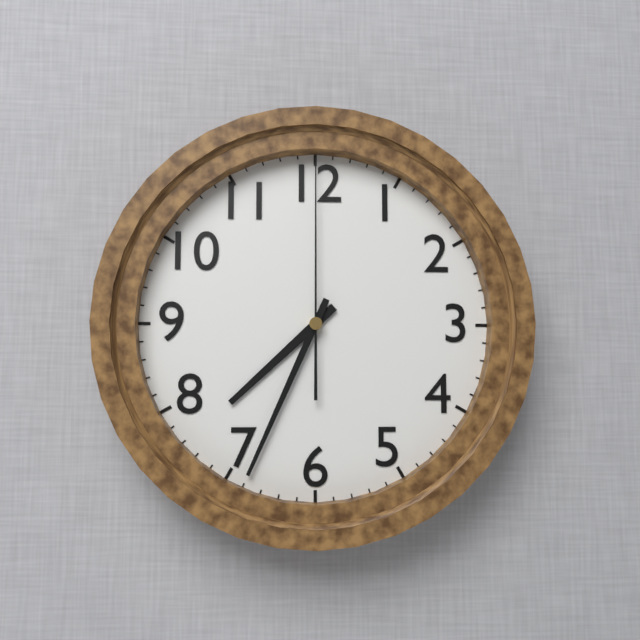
7:34:00
